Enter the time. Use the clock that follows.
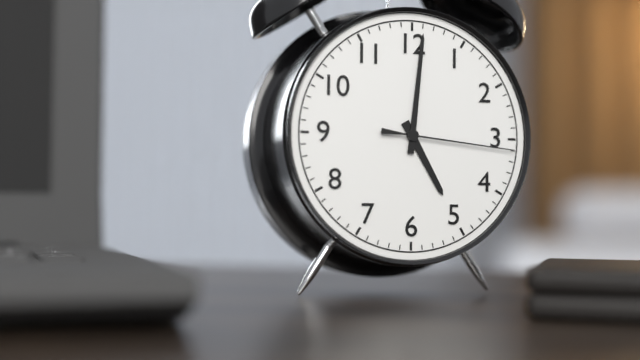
5:01:16
